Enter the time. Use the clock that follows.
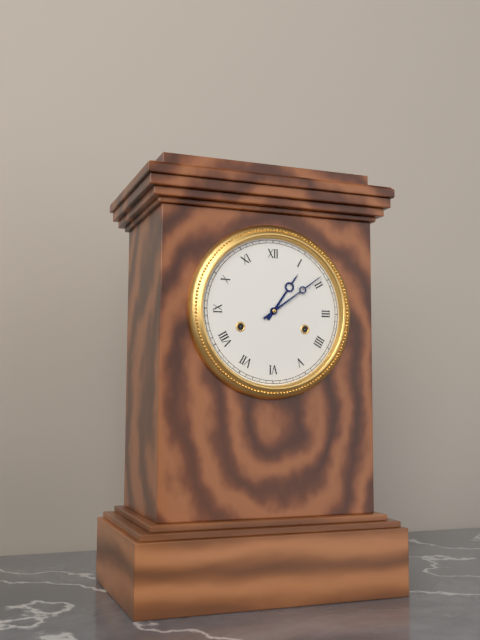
1:09
